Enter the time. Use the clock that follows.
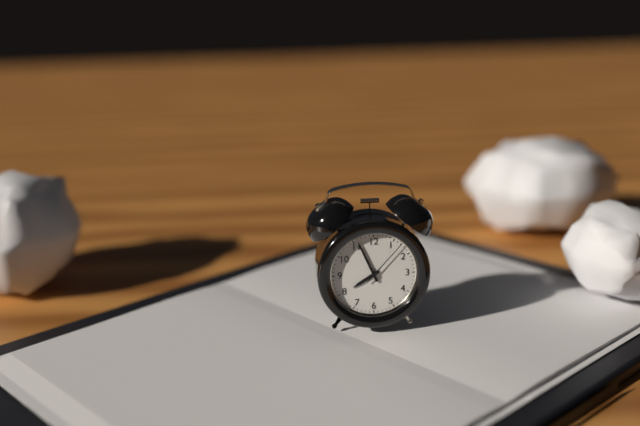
7:56:07
